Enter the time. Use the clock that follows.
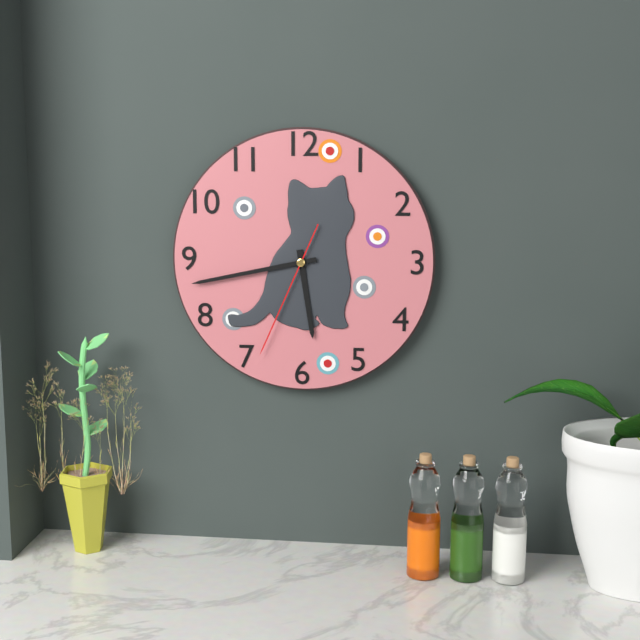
5:43:34
